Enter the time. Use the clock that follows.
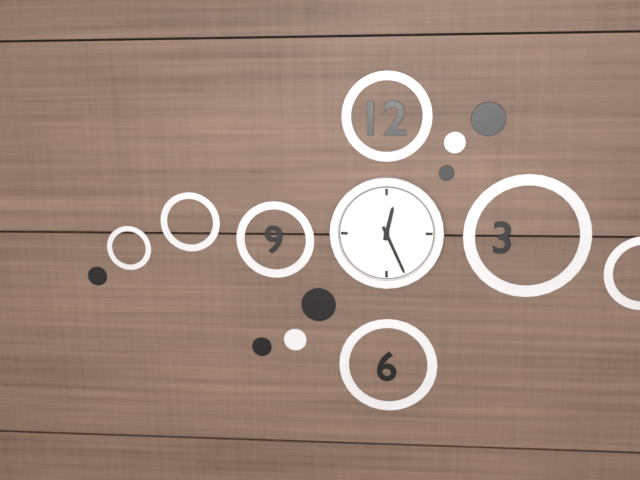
12:26
